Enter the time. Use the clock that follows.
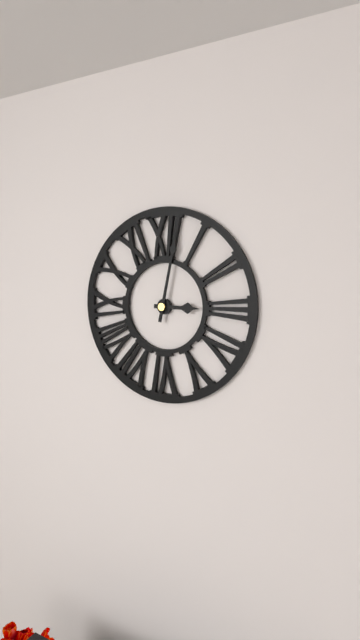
3:02
